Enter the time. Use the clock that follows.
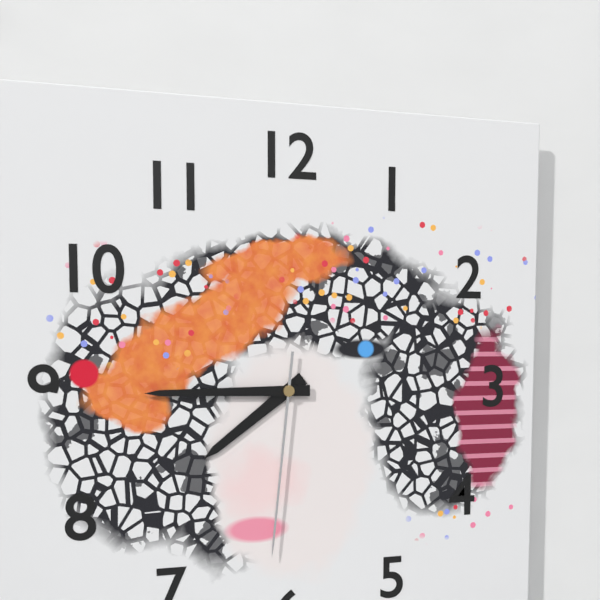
7:45:31
